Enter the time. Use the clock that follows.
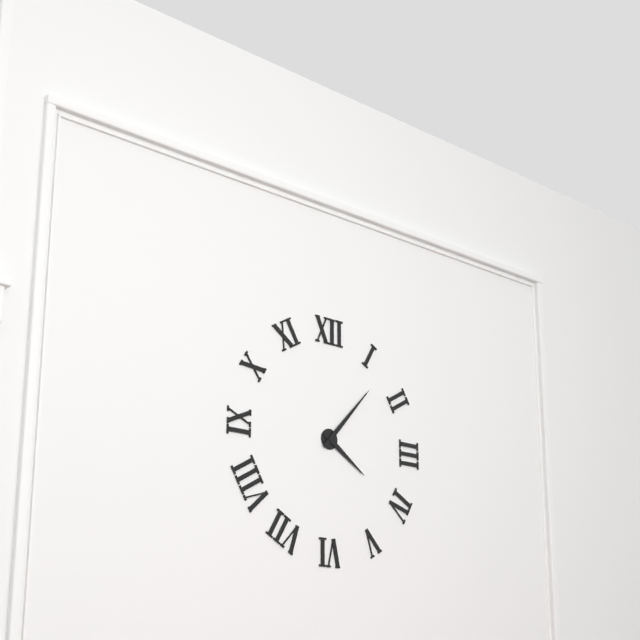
4:07
